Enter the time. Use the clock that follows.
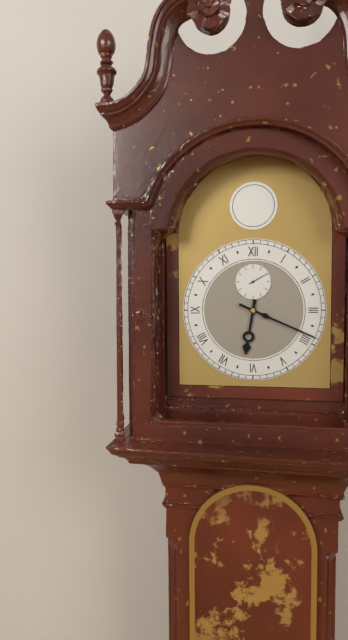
6:19
